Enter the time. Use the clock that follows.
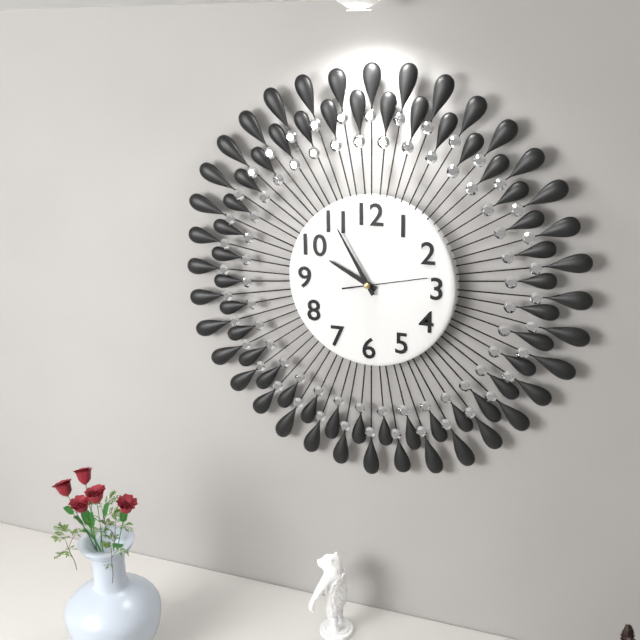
9:55:13
